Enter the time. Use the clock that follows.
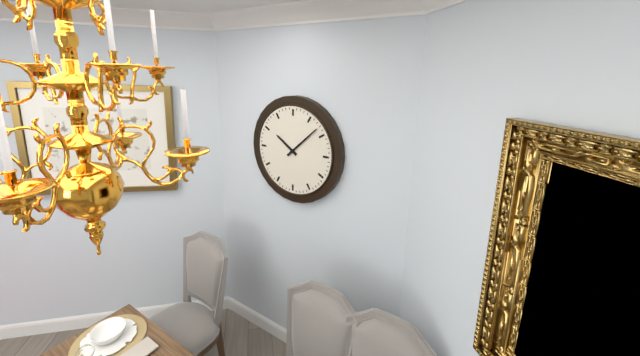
10:08
